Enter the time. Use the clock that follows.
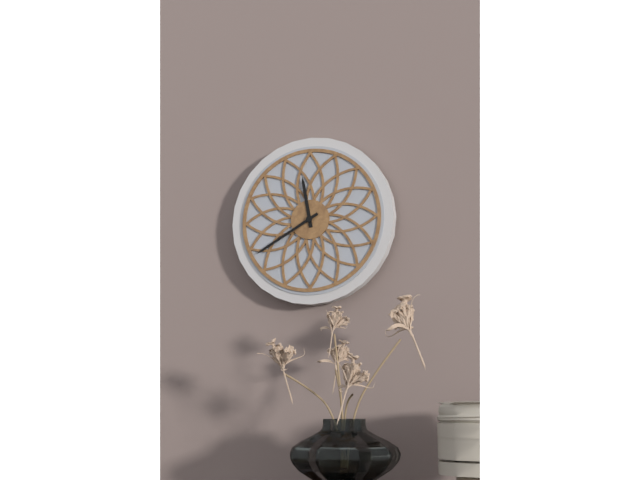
11:40
